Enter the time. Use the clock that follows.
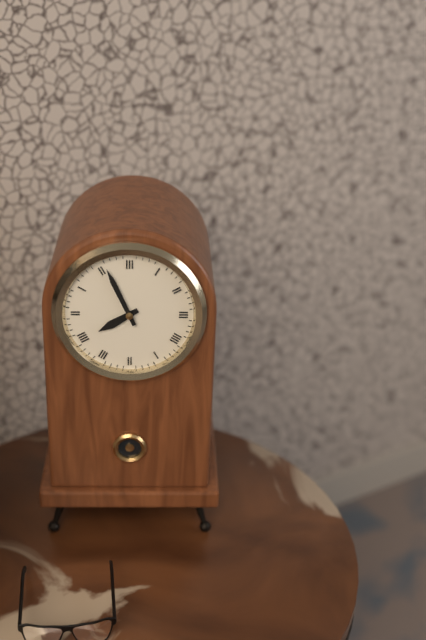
7:56
